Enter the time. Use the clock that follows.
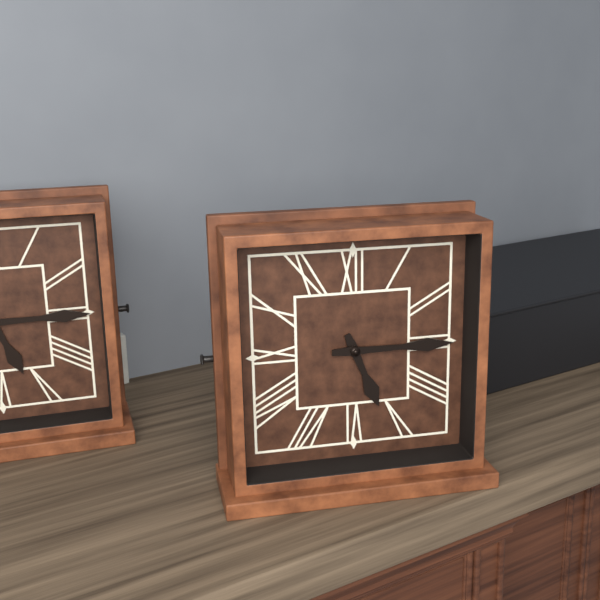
5:15
